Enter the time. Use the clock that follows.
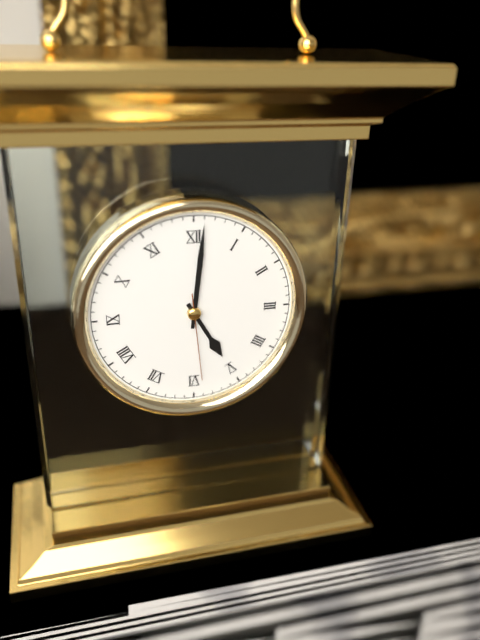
5:01:29
